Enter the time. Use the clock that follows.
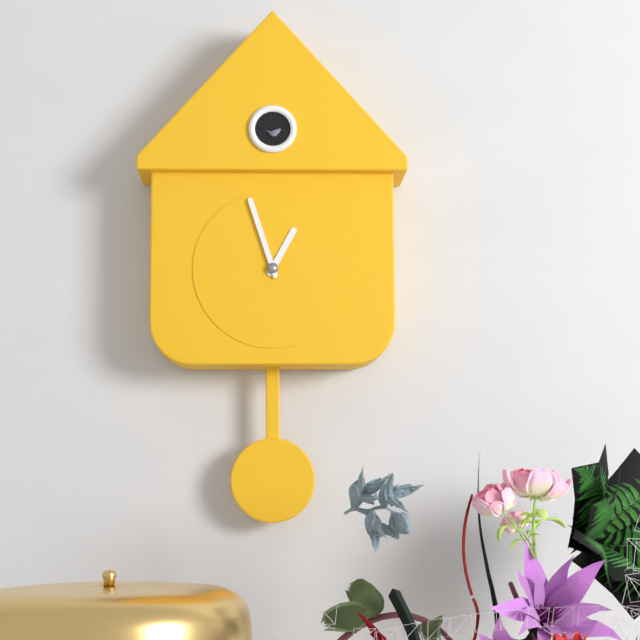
12:57
